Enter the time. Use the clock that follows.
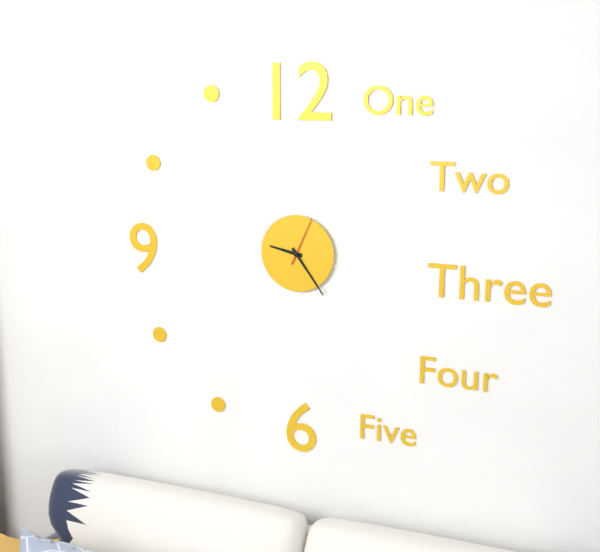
9:24:04
